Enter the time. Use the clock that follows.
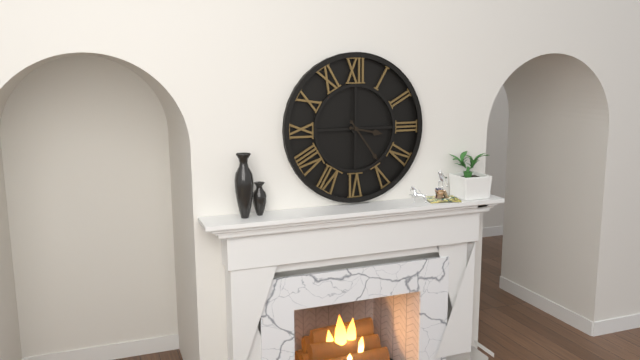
3:24
